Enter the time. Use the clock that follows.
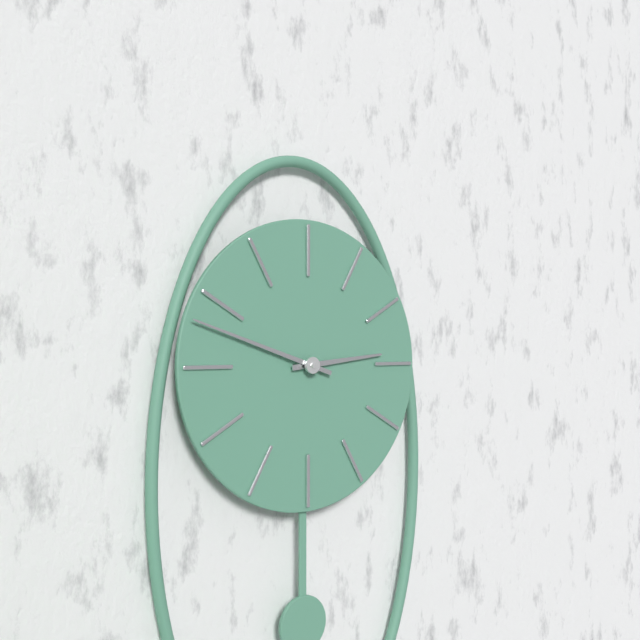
2:48
